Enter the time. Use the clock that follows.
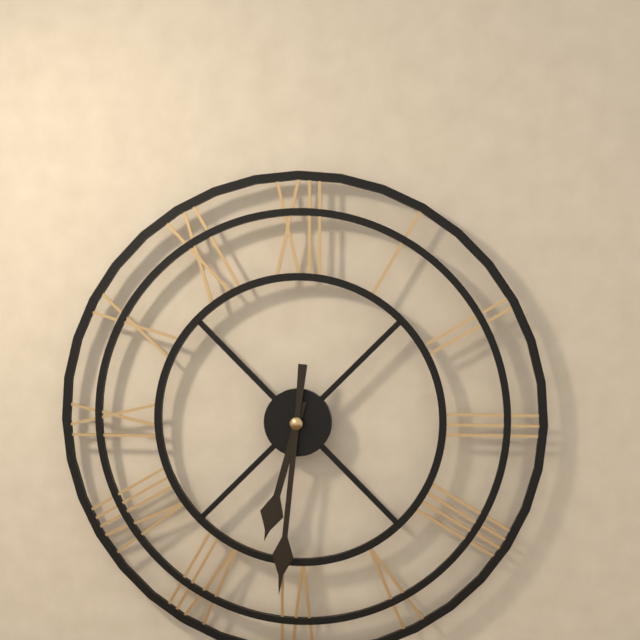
6:31
